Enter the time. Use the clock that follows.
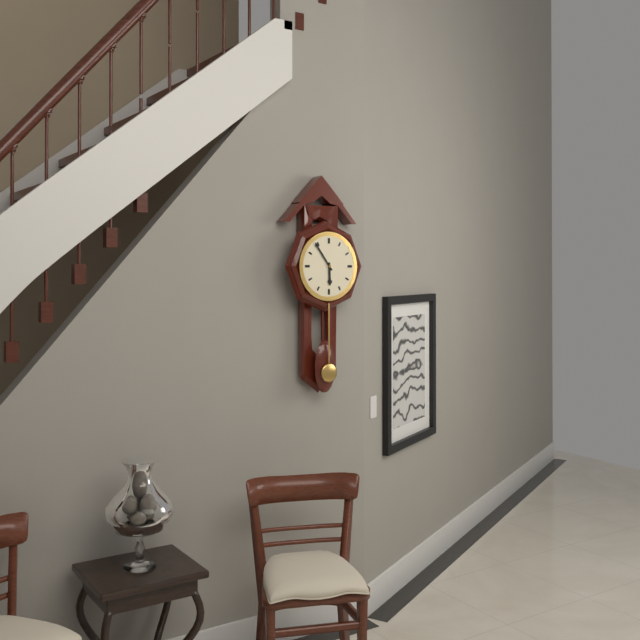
5:54
